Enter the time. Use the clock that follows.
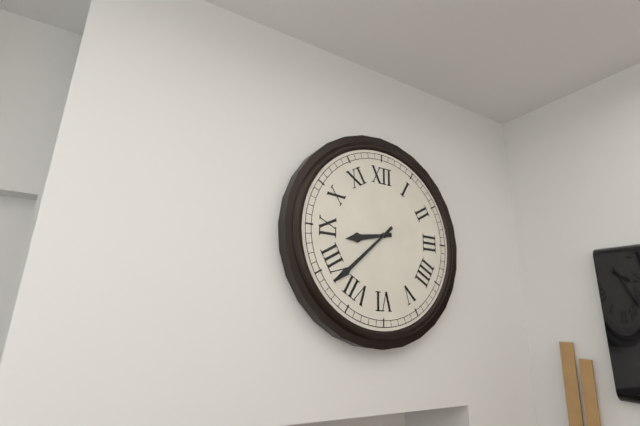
8:38
